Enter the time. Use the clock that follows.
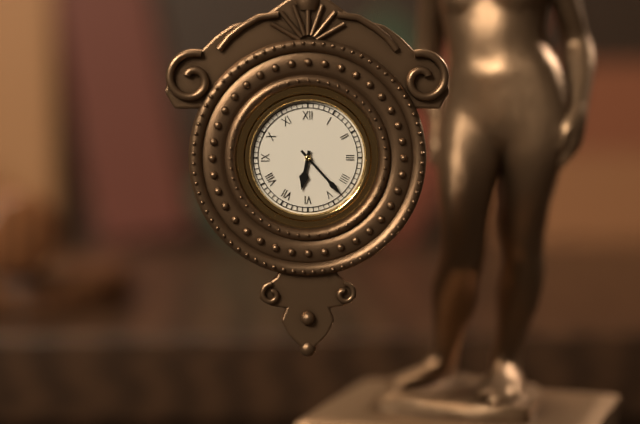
6:23
